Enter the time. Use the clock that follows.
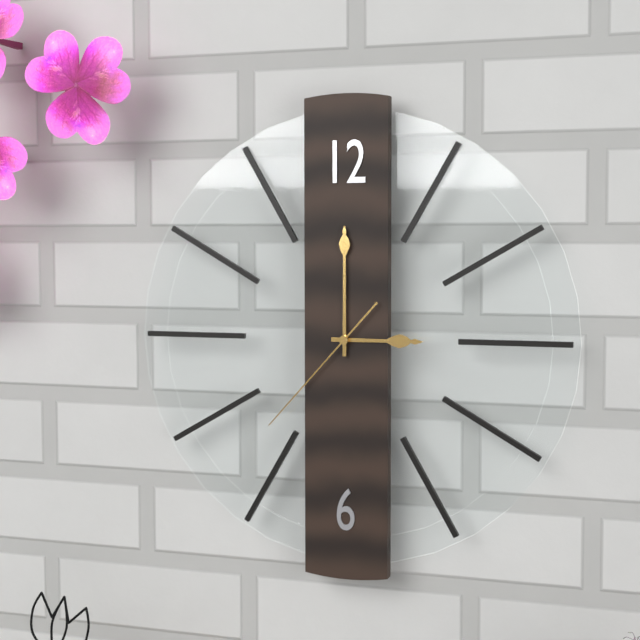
3:00:37
